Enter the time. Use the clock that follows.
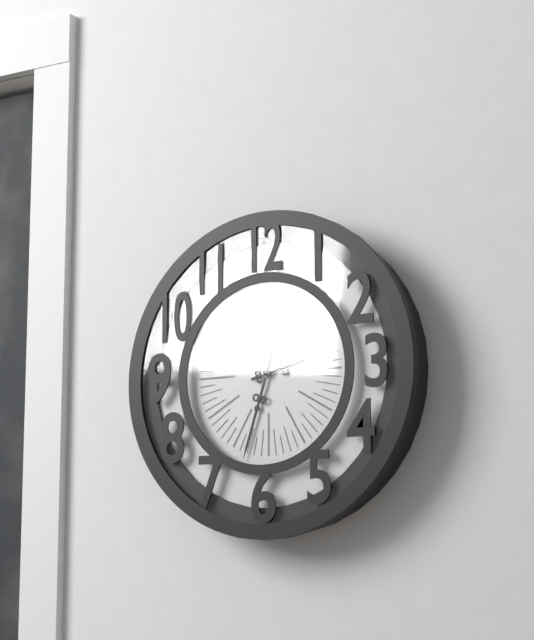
2:33
